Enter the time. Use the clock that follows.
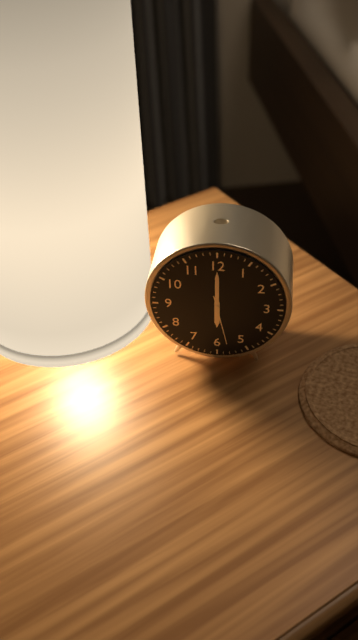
6:00
